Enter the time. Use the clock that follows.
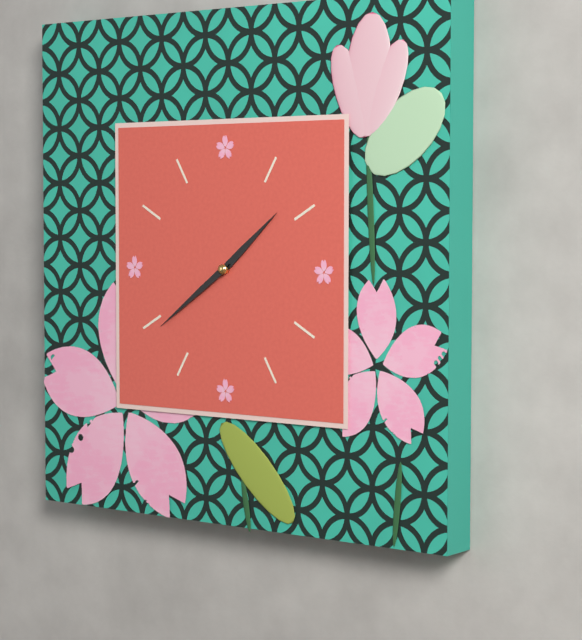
1:39
